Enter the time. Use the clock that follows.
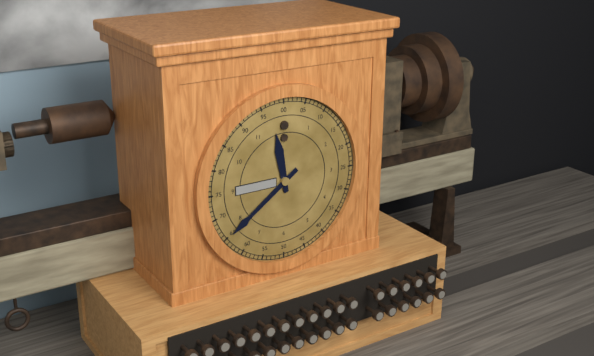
11:39
